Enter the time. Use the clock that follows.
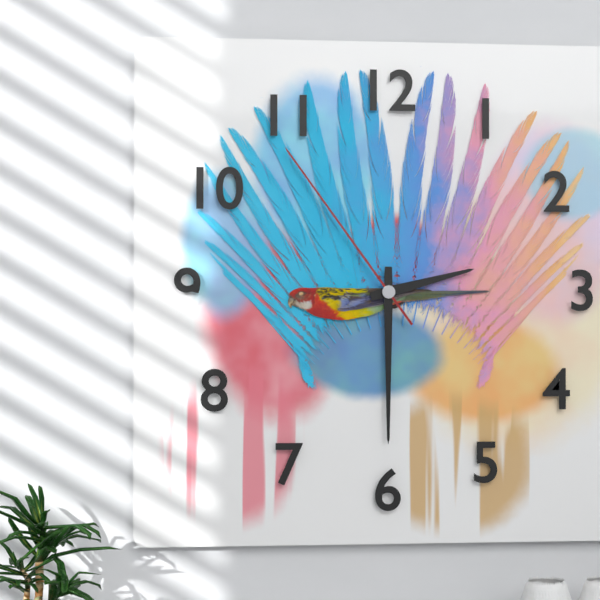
2:30:54
